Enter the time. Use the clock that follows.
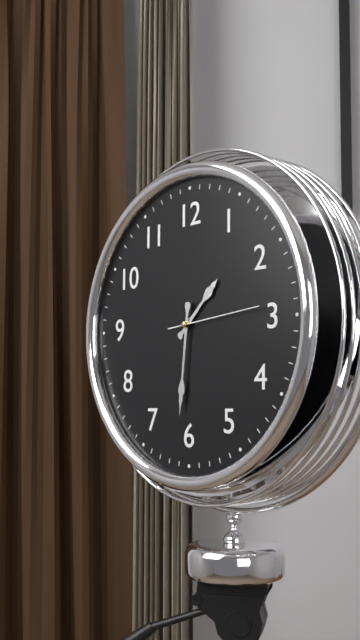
1:31:14
